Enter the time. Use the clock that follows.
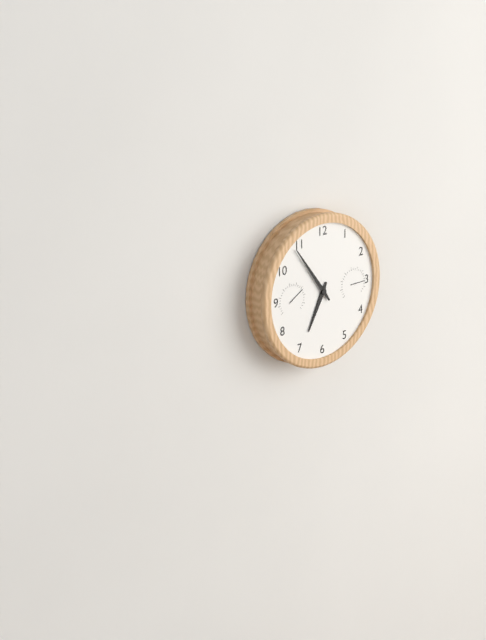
6:54
